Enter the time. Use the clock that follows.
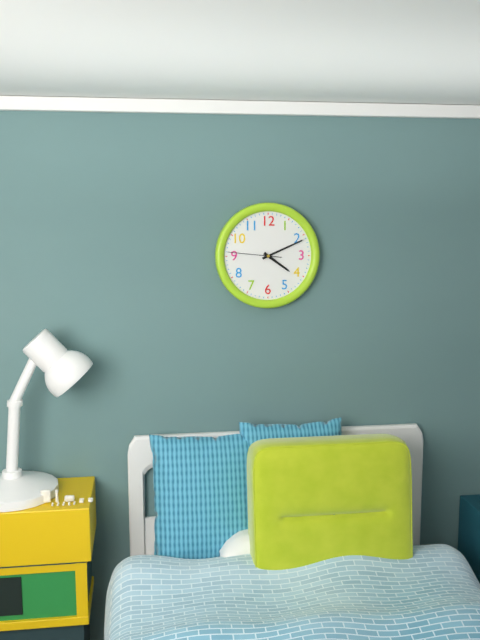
4:11:46
